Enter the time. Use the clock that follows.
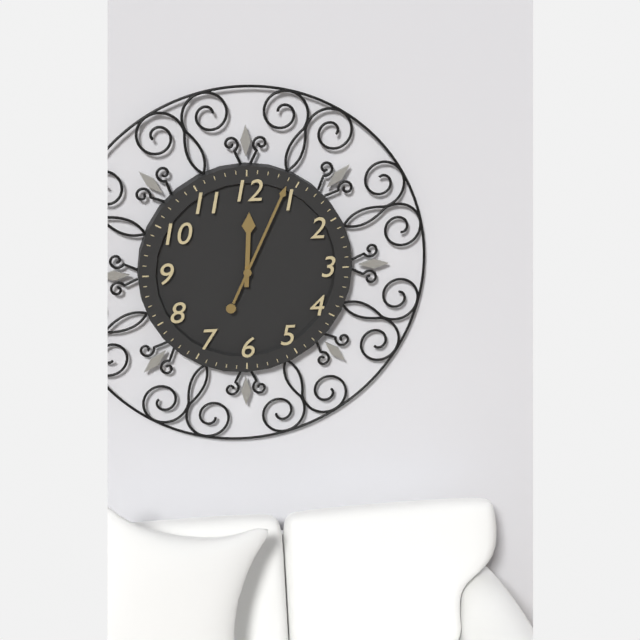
12:04
